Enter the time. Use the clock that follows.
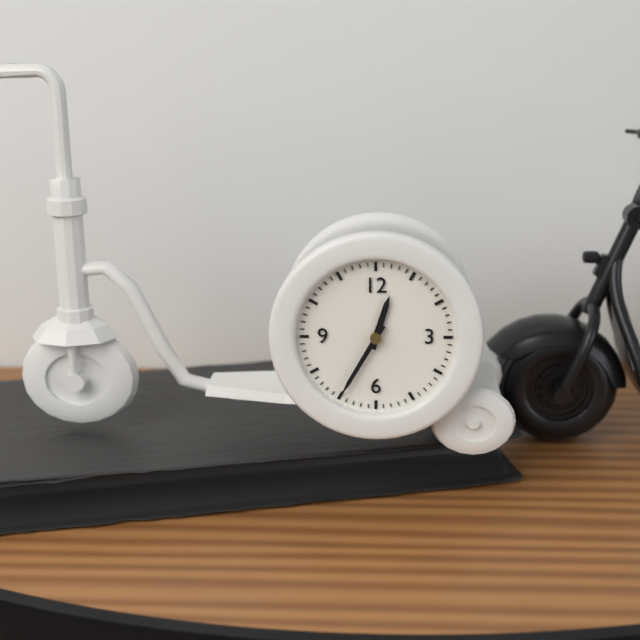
12:35
